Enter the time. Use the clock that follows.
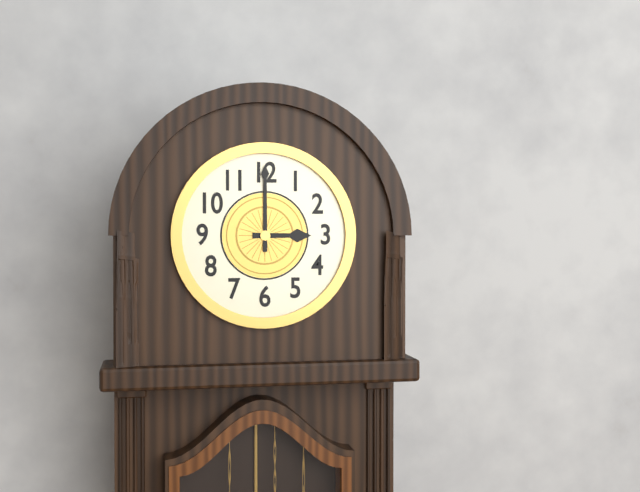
3:00
